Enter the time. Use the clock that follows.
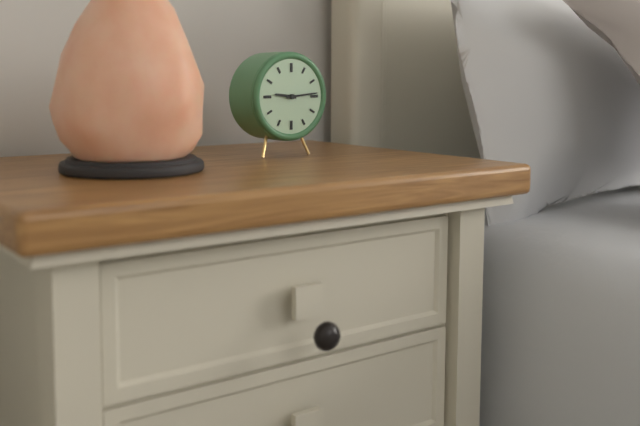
9:14
